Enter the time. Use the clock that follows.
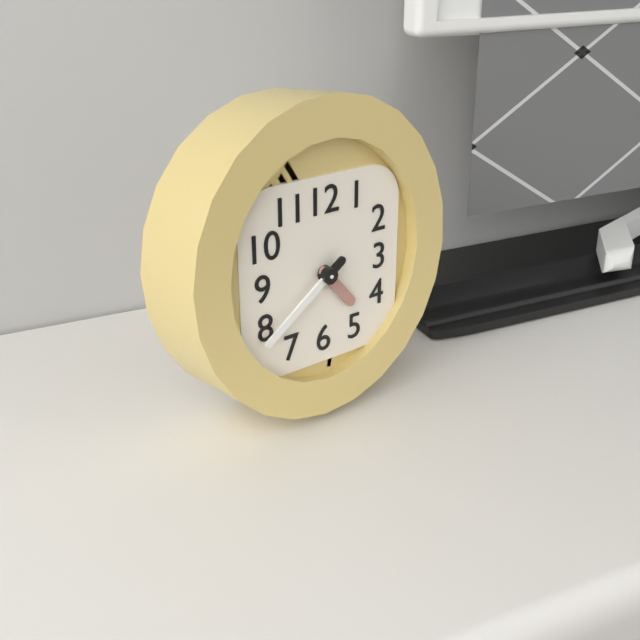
4:39
